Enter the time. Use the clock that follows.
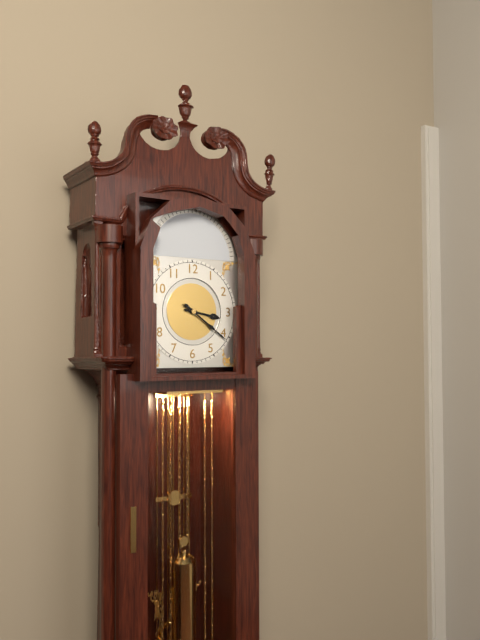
3:21
